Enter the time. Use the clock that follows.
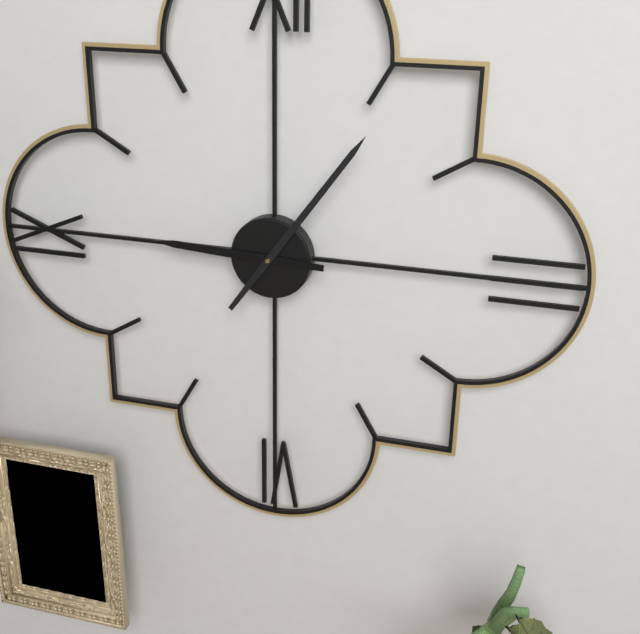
9:06
